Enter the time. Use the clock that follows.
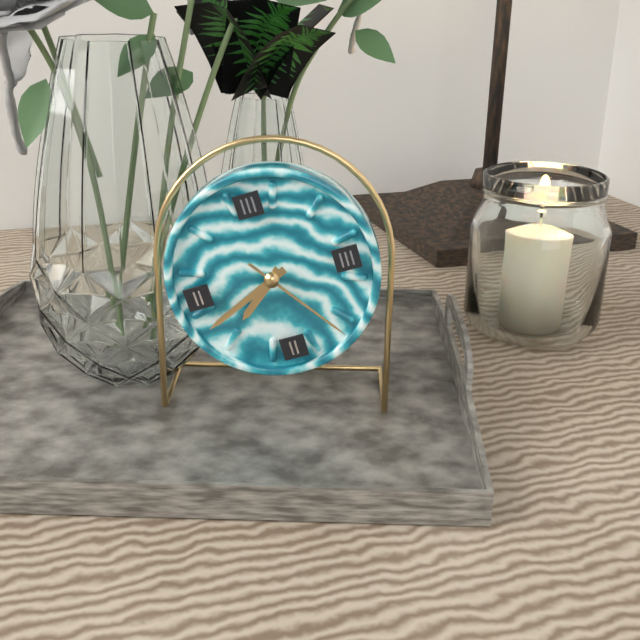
7:41:24
